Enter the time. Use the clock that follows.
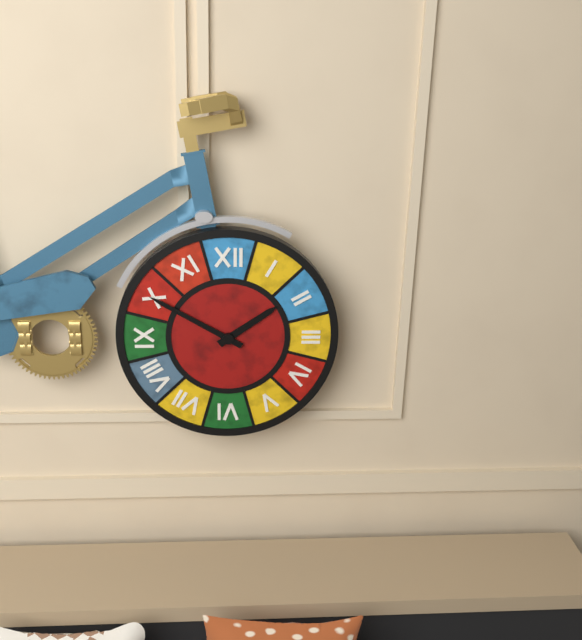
1:50
